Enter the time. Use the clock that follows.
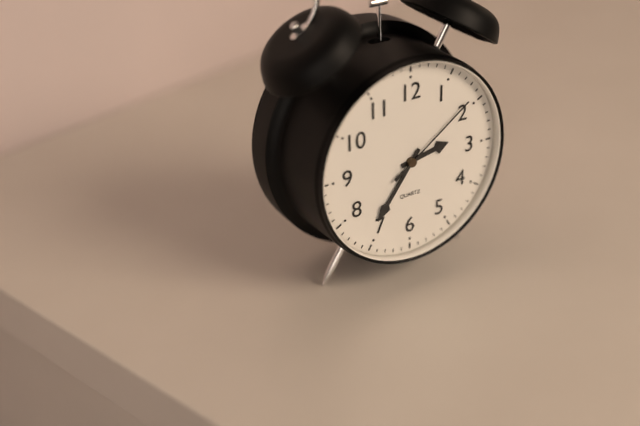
2:36:09
